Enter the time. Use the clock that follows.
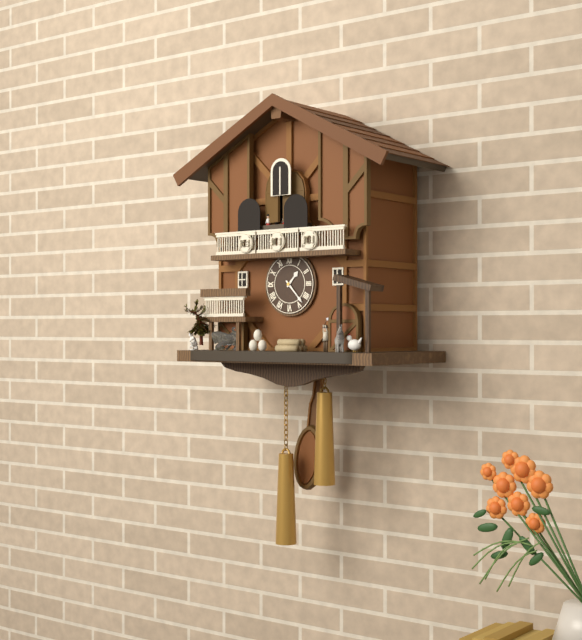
1:23
